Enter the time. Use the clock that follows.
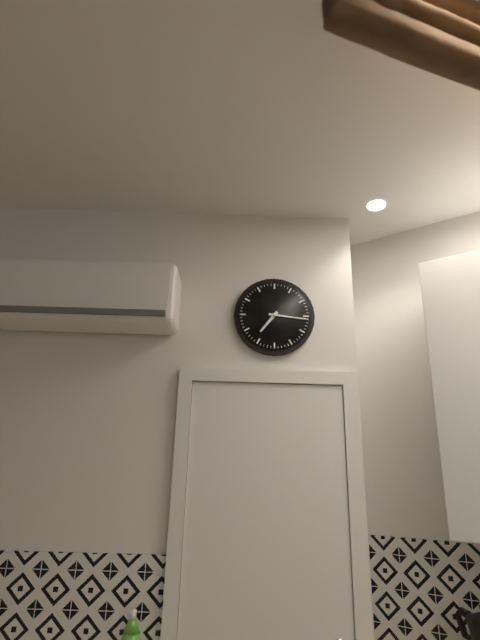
7:16
